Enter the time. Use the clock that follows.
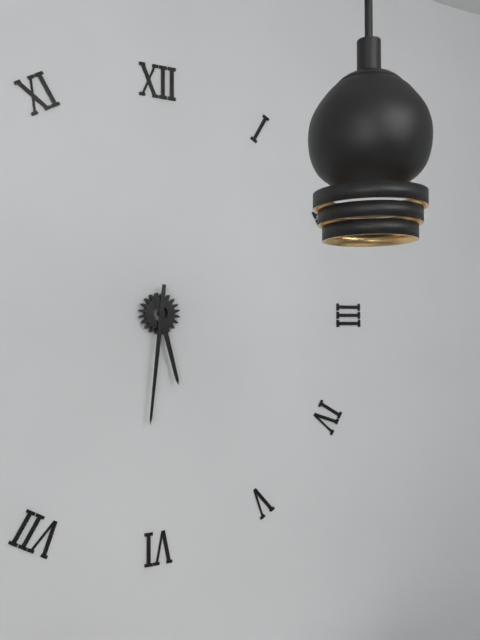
5:31
